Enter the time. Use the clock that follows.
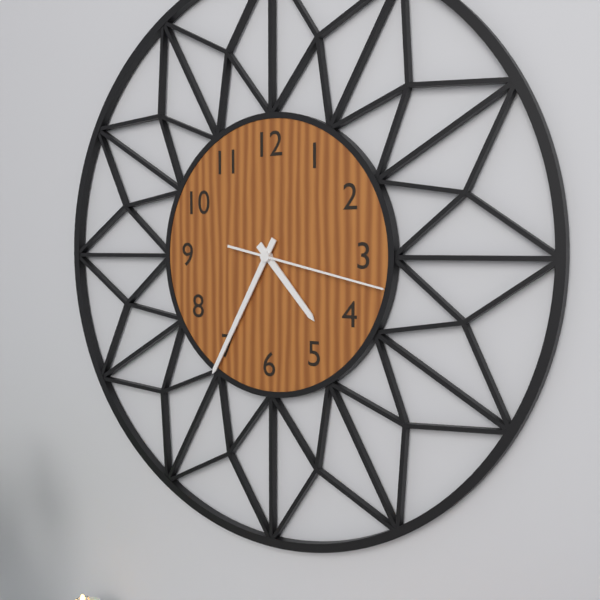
4:35:17
